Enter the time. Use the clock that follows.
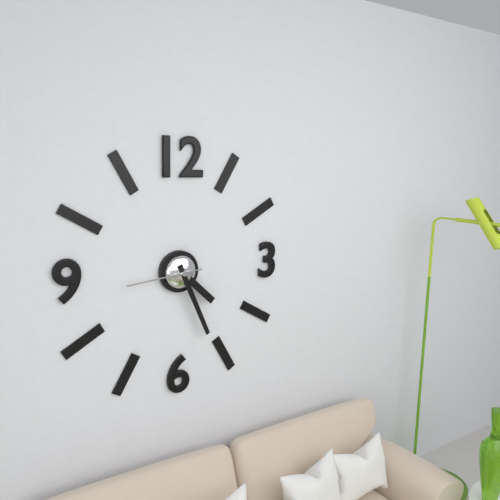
4:26:44
